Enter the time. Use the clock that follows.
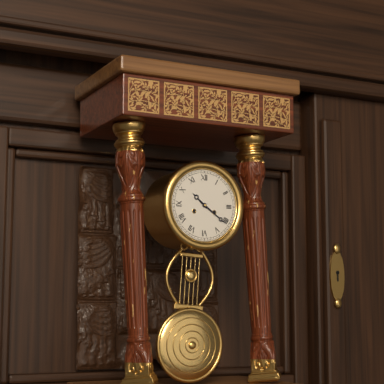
10:21
